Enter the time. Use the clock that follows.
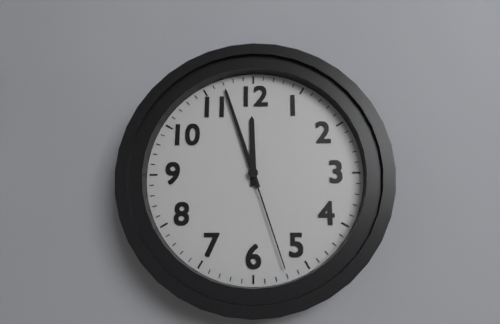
11:57:27
